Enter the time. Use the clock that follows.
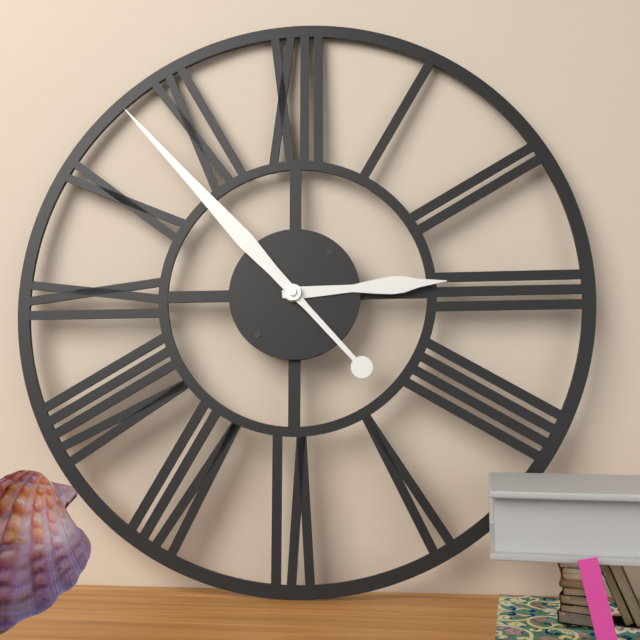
2:53
